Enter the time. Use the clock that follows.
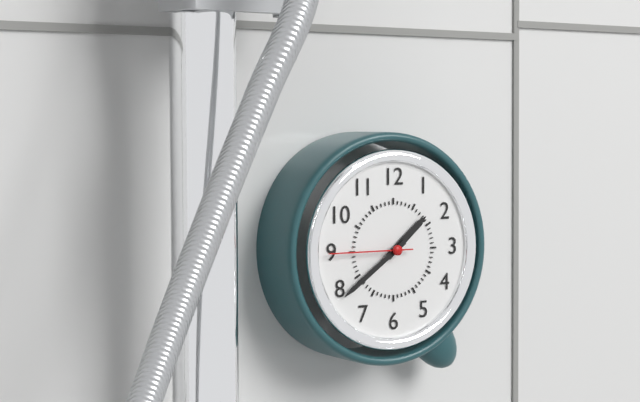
1:39:45
